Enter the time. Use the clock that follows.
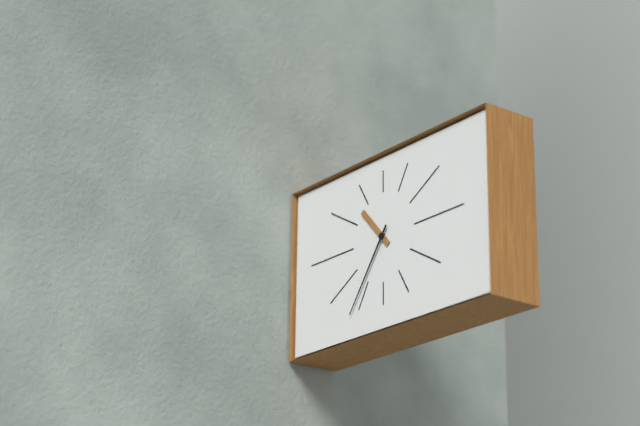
10:36
